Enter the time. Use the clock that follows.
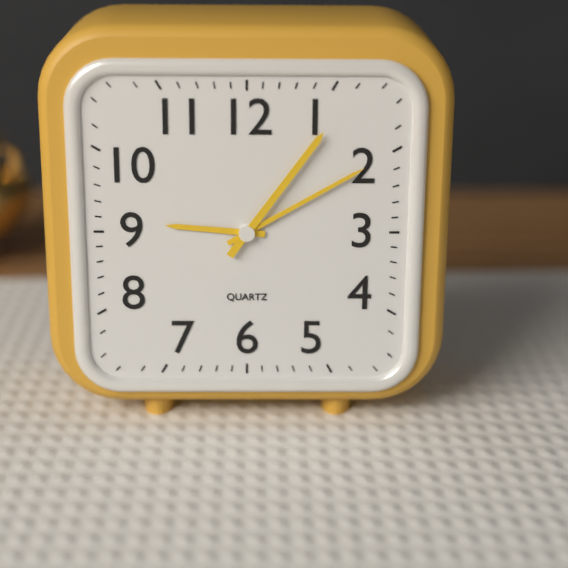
9:10:06
